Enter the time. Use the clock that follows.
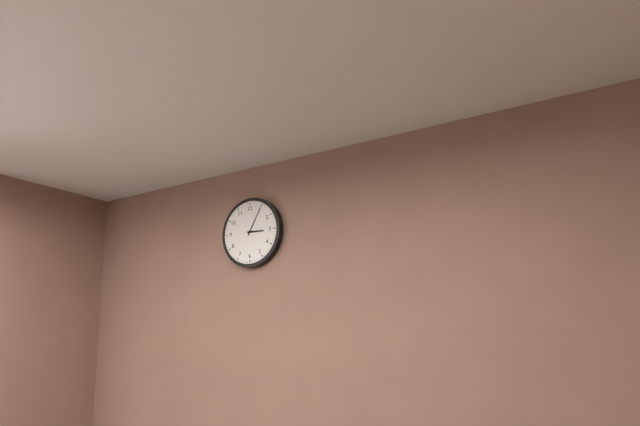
3:05
